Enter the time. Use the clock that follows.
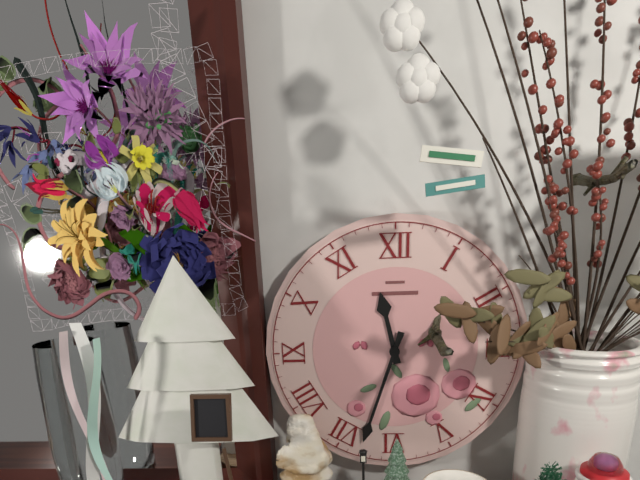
11:33
